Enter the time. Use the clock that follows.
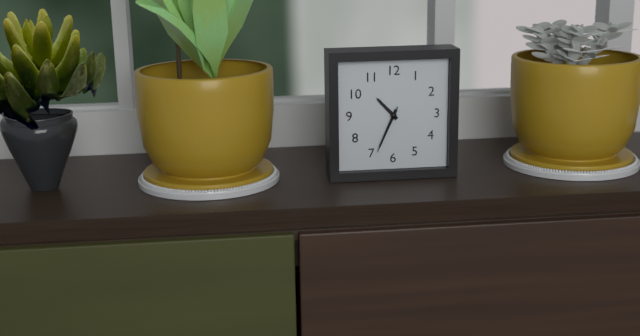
10:34
